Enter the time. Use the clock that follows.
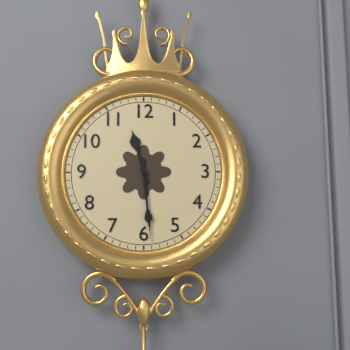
11:29
